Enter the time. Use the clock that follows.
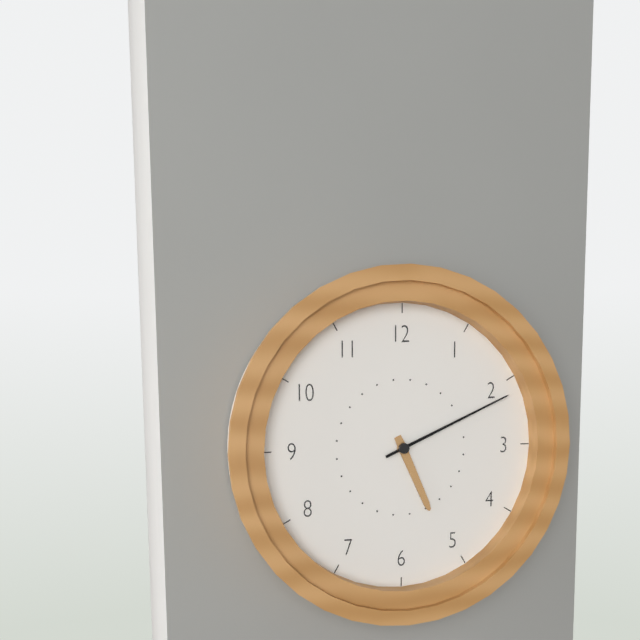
5:11
